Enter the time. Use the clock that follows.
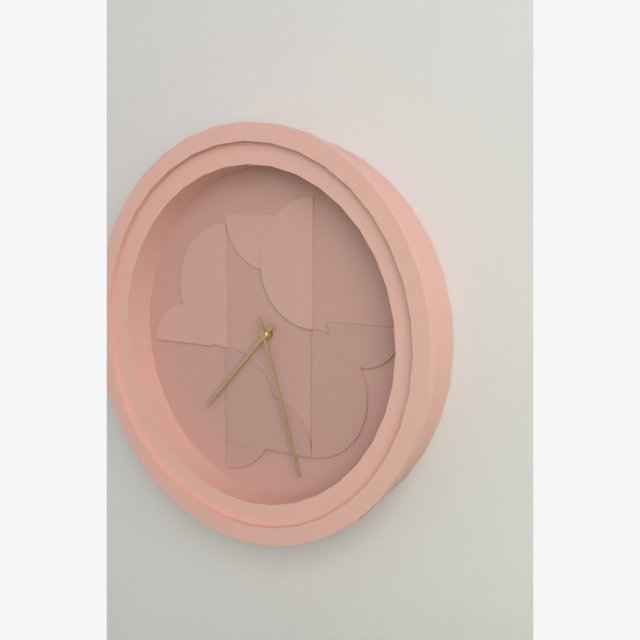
7:27
